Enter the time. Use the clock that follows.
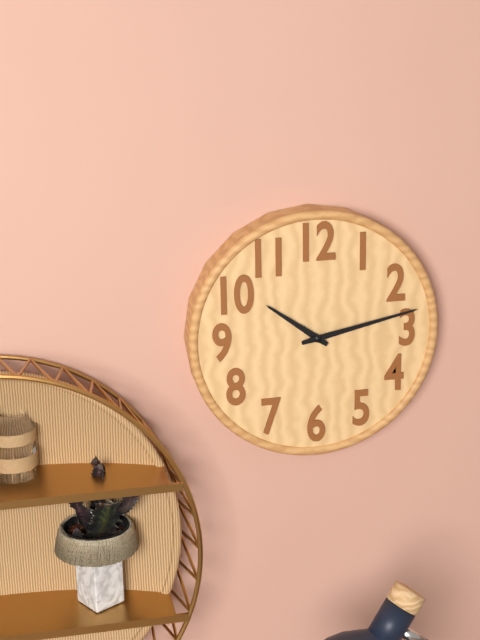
10:13
